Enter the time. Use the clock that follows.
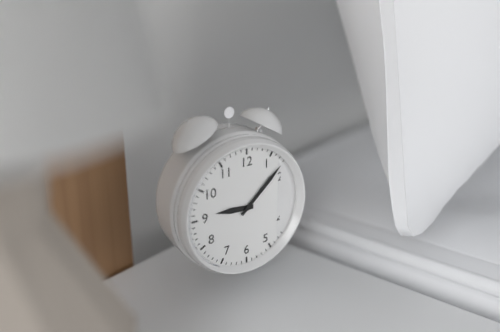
9:08
